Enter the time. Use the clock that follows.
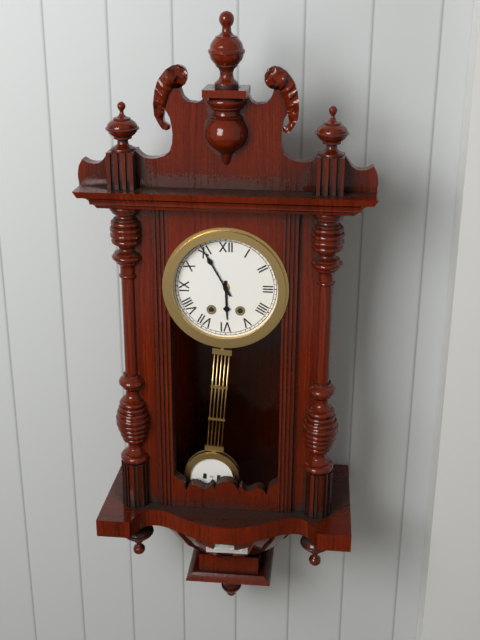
5:55
